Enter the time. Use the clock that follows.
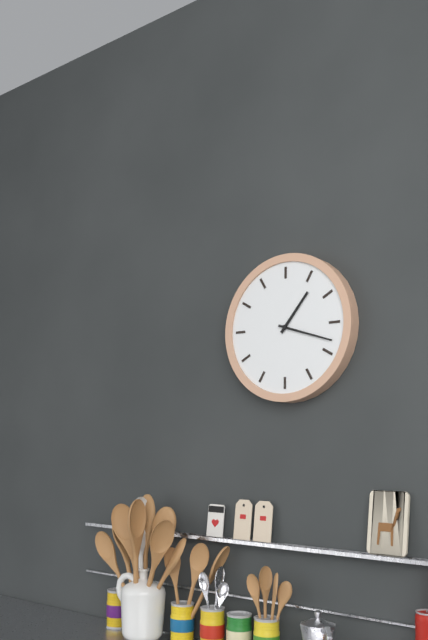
1:18
